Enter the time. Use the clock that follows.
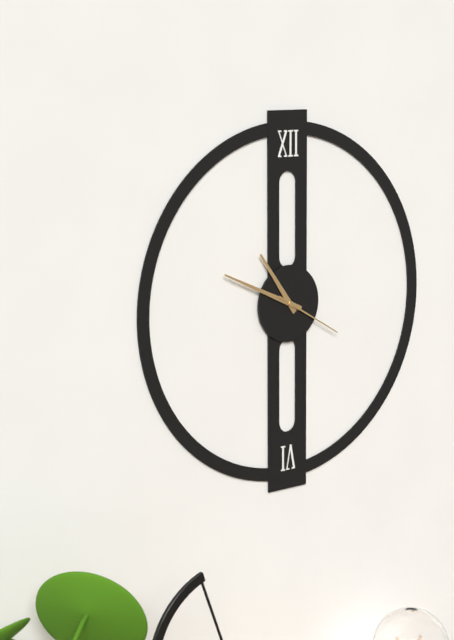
10:49:20
